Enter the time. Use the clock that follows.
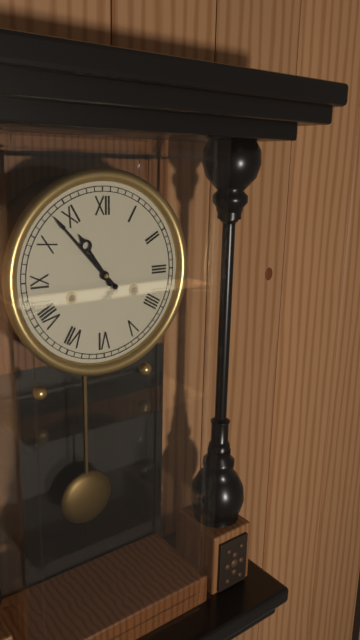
10:53
